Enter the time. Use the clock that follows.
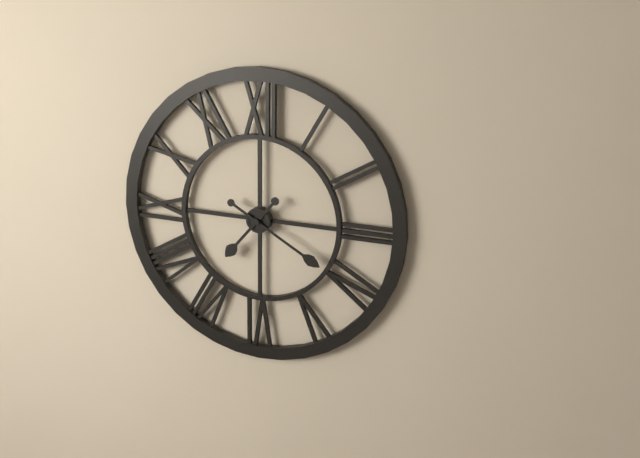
7:20
